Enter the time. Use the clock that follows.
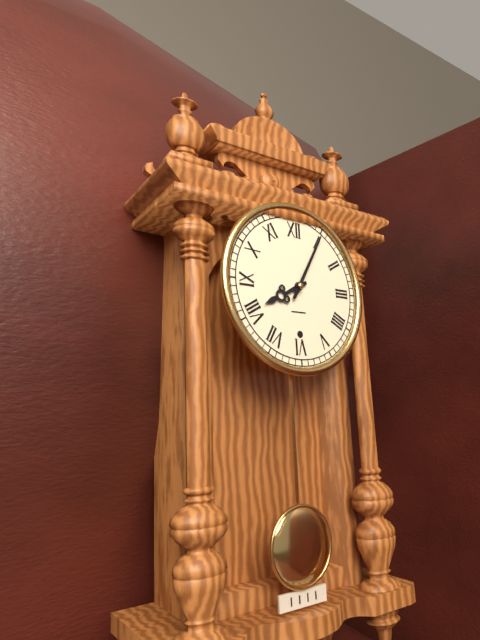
8:05
